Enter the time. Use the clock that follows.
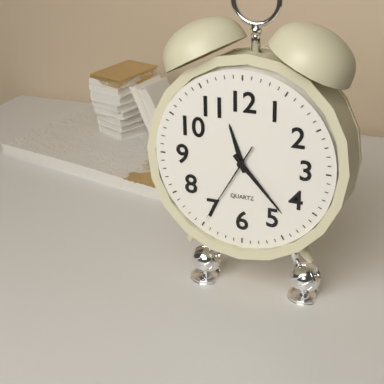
11:23:35
